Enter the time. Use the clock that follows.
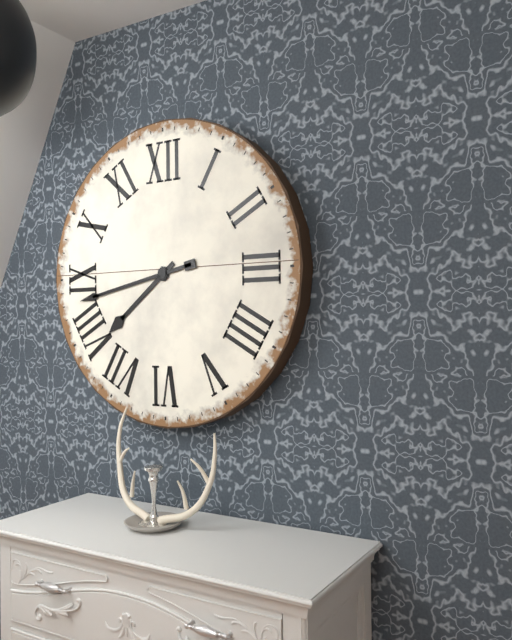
7:43
